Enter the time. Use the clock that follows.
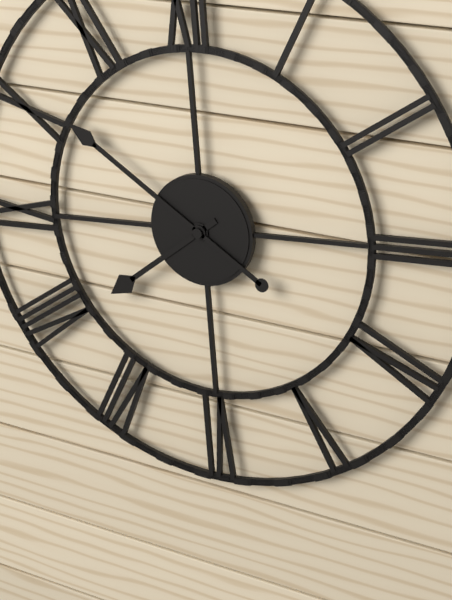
7:51
